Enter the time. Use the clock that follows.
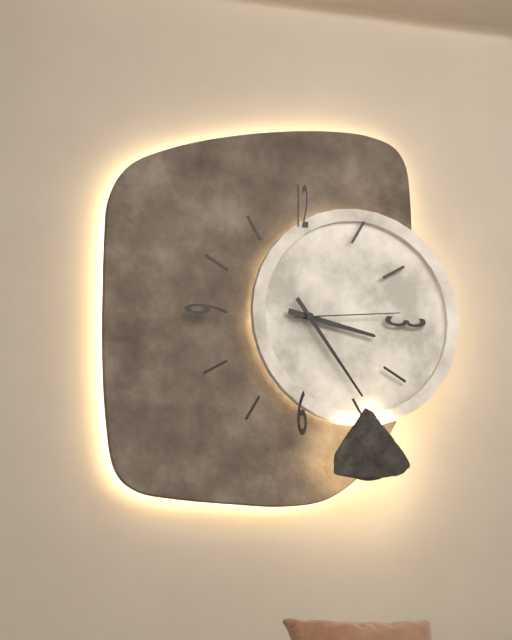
3:24:14
